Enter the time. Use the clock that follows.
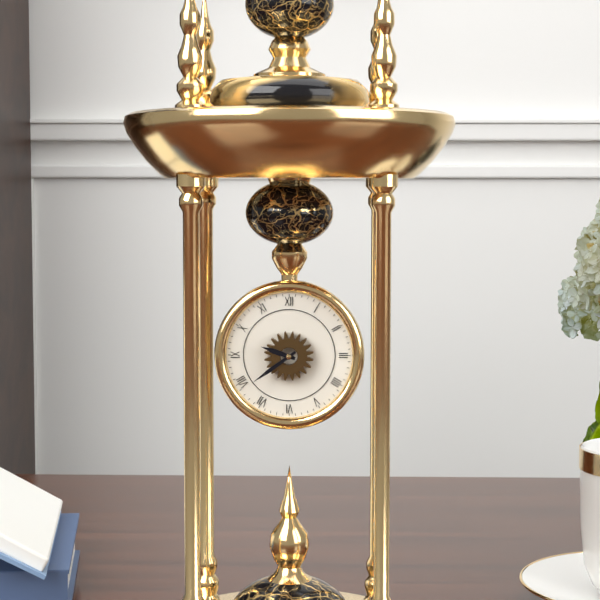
9:39
